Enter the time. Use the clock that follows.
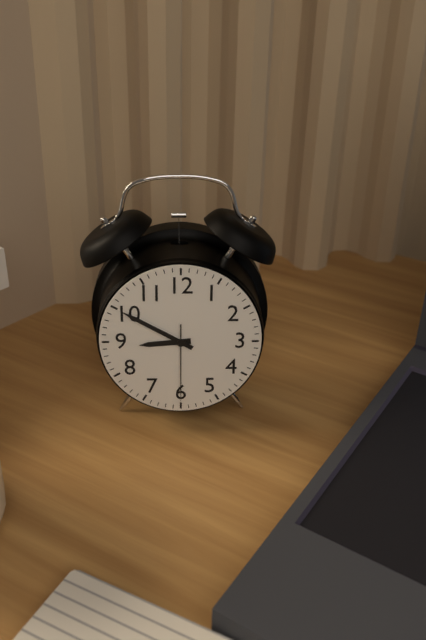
8:50:30
